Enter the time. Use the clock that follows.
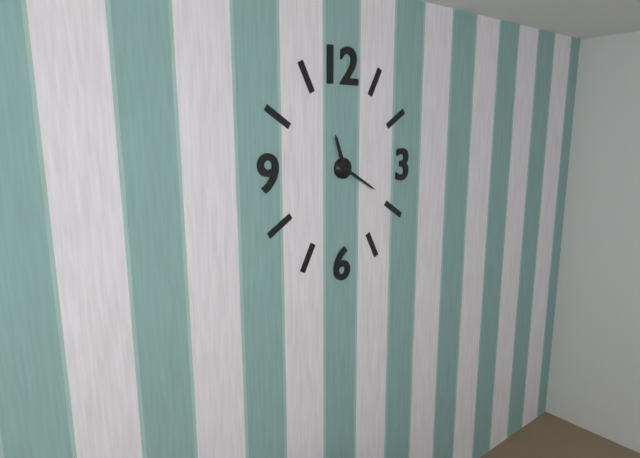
11:20
